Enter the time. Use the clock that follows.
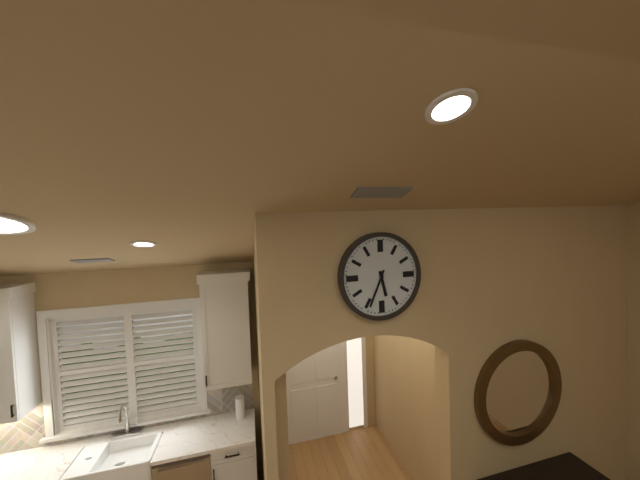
5:34
